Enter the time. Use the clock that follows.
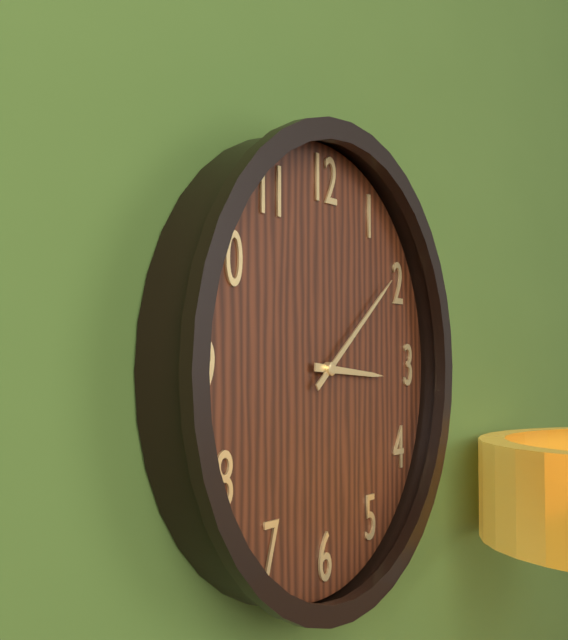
3:09
